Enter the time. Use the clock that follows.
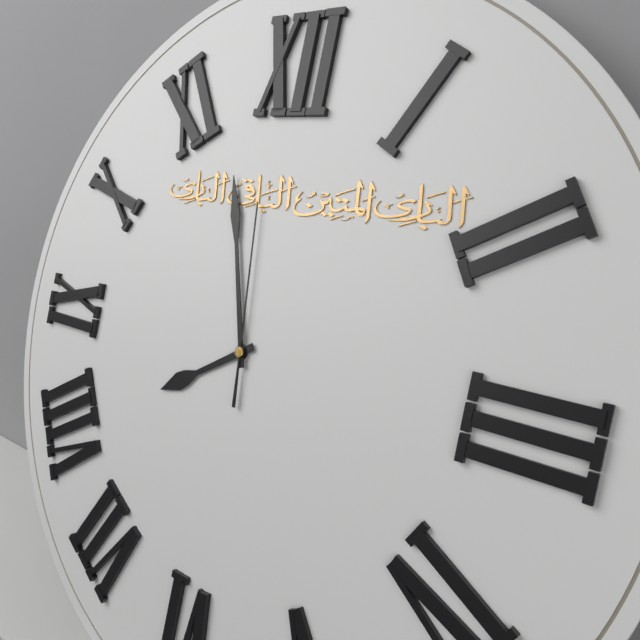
7:57:59
